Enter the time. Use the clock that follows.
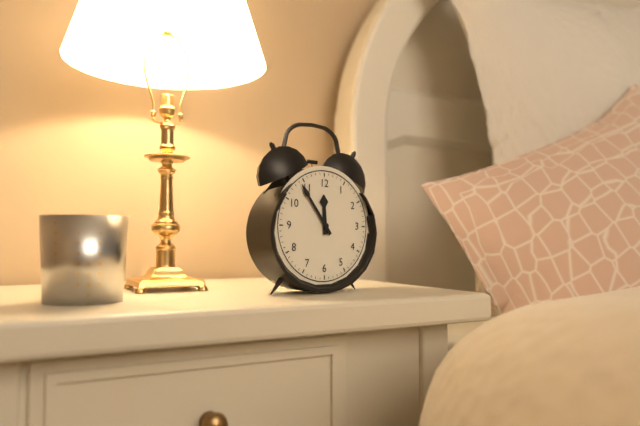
11:54
